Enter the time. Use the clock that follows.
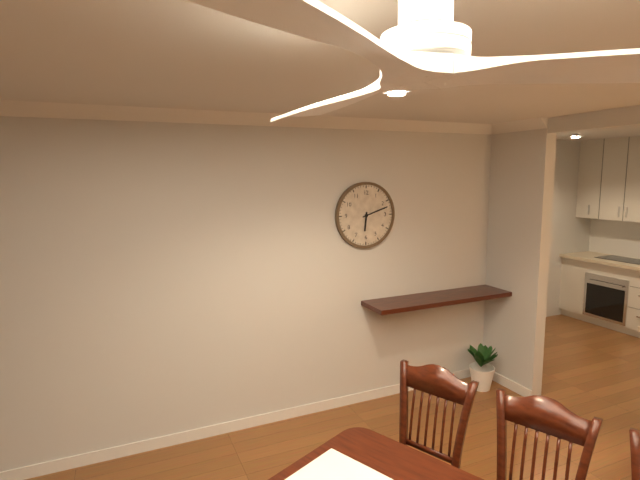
6:12
